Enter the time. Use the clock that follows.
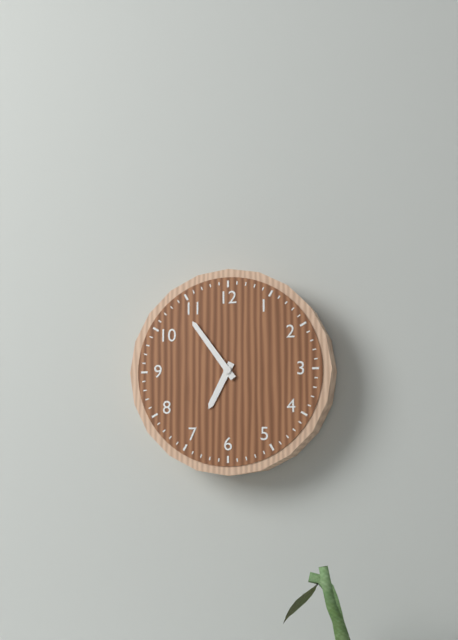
6:54
